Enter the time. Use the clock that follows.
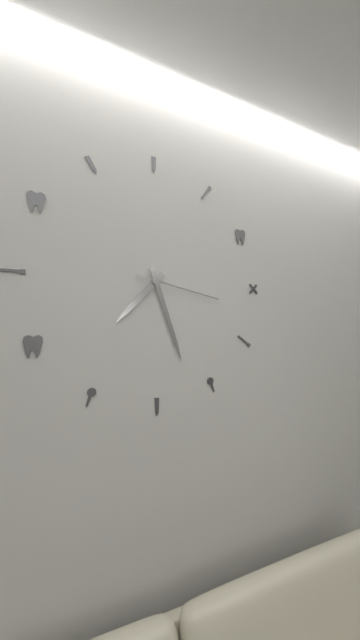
7:27:17
